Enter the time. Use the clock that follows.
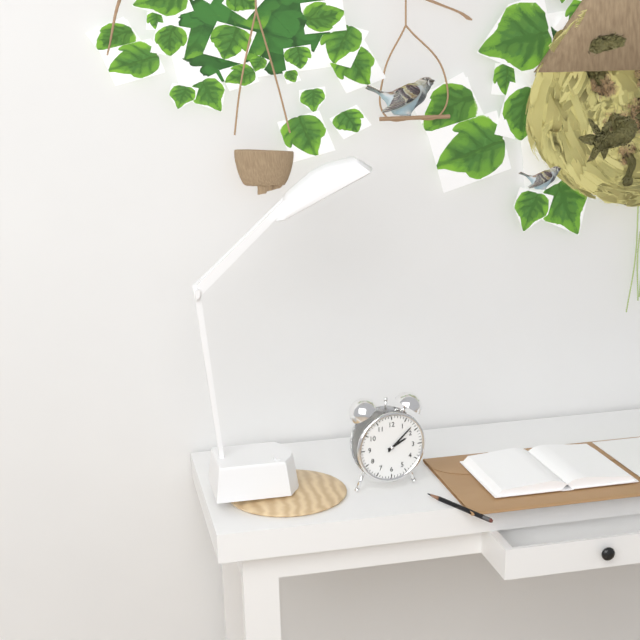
2:08
